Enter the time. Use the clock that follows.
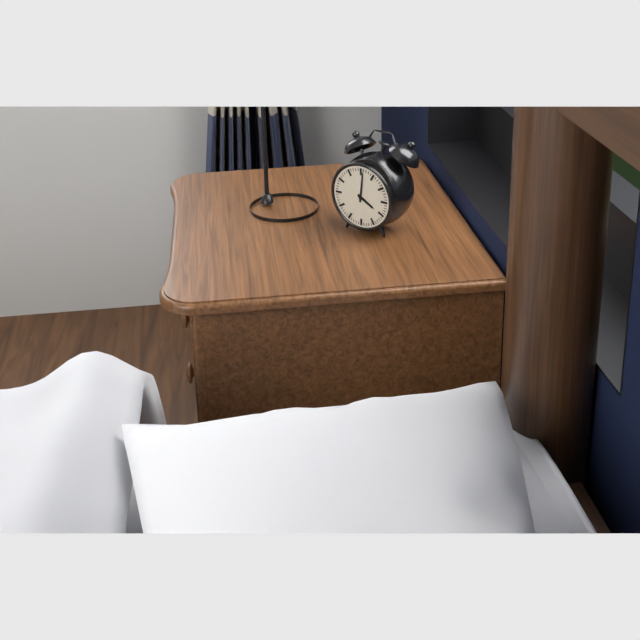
4:01
